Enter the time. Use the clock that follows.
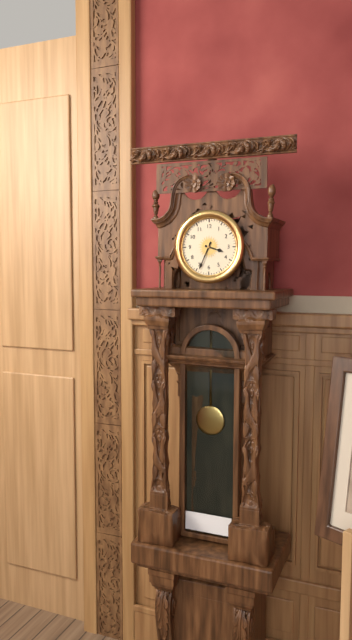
3:34
